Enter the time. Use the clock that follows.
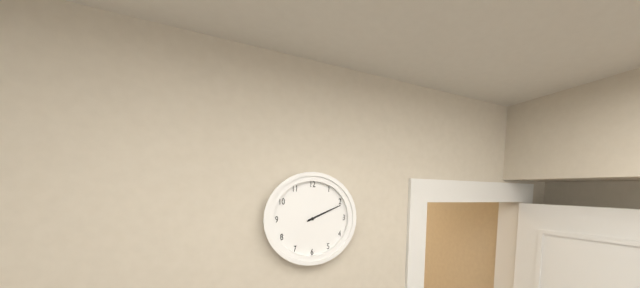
2:11
